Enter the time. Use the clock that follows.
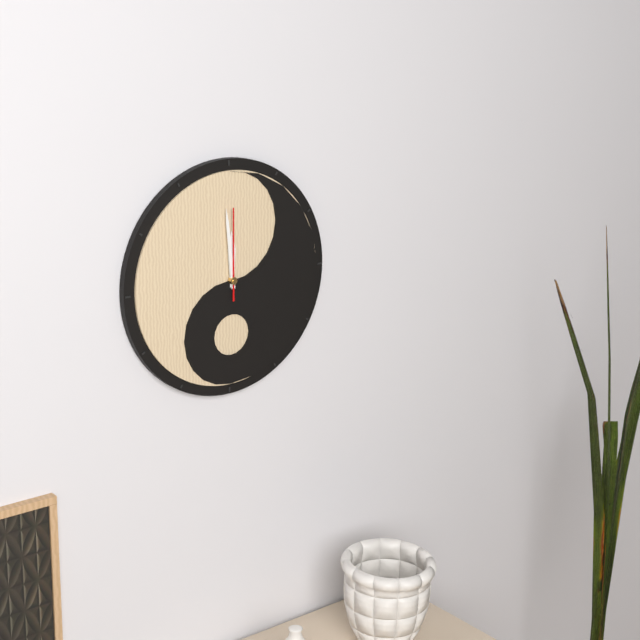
11:59:00
